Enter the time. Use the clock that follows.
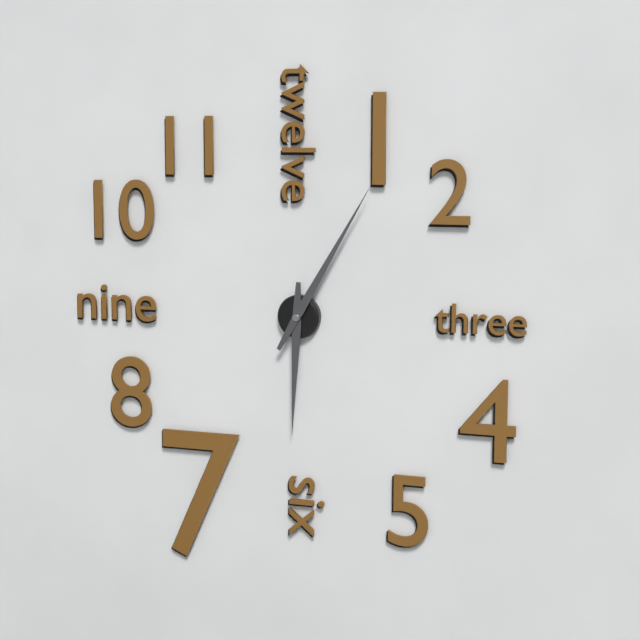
6:05
